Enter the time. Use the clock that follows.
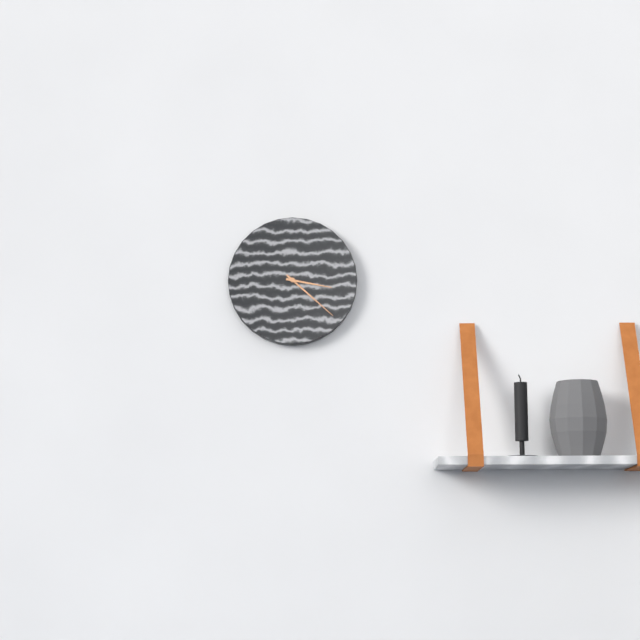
3:22
